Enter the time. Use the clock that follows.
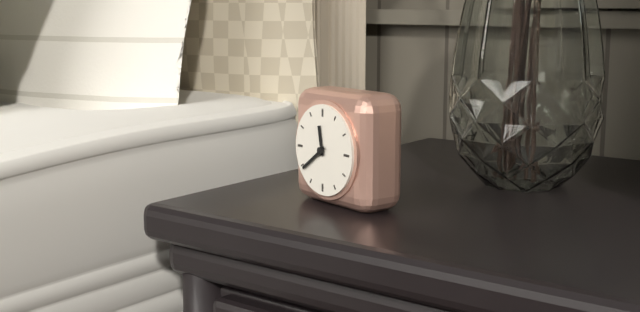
11:39
